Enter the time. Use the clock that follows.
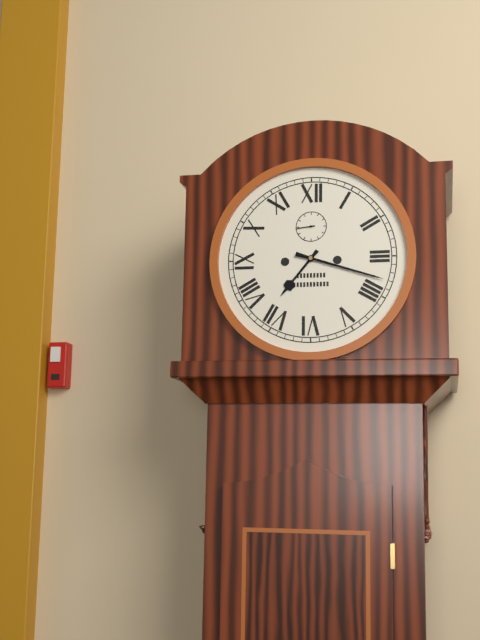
7:18
